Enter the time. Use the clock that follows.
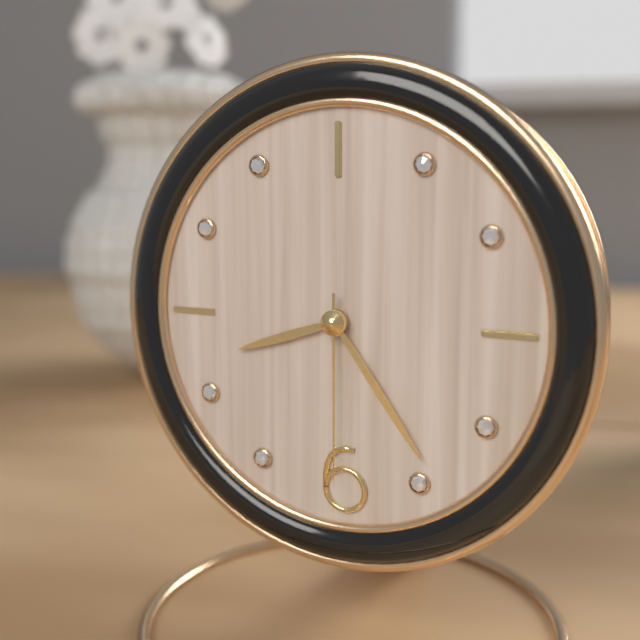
8:24:30
